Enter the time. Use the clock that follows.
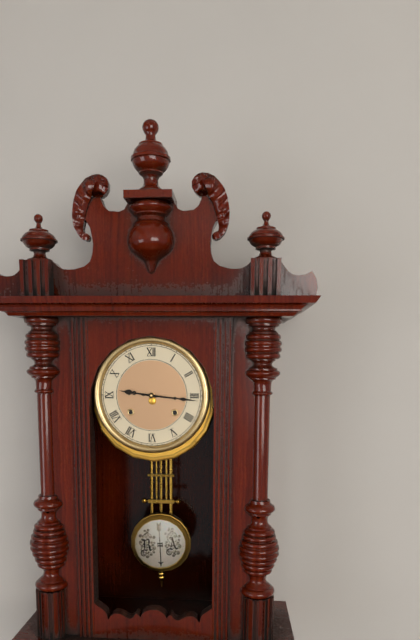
9:16
